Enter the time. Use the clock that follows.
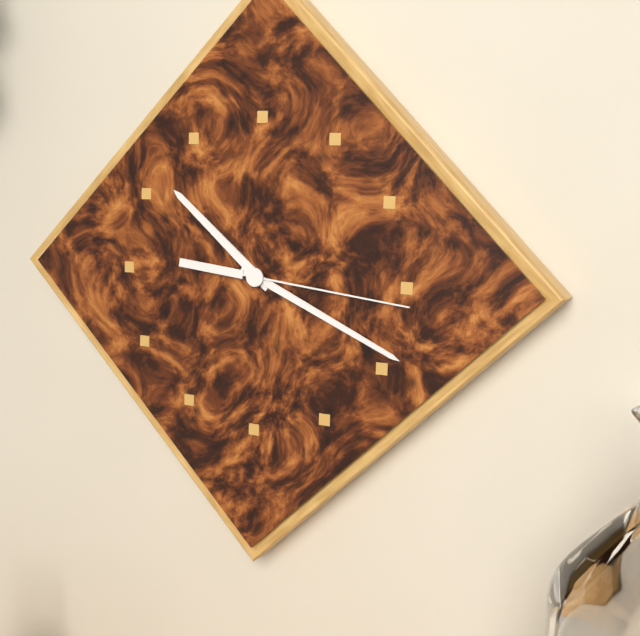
10:19:16
